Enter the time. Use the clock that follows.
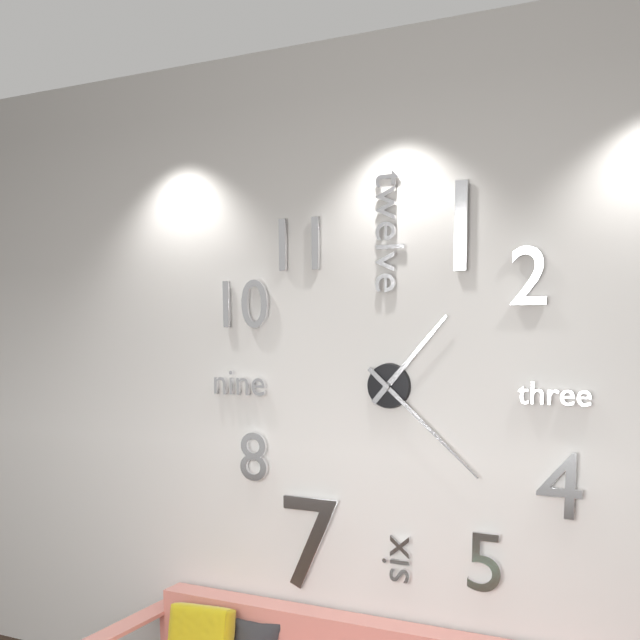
1:22
